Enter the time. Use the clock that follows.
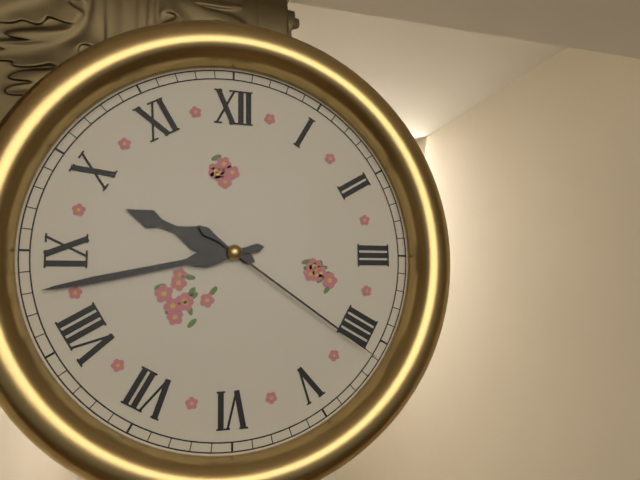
9:43:21
